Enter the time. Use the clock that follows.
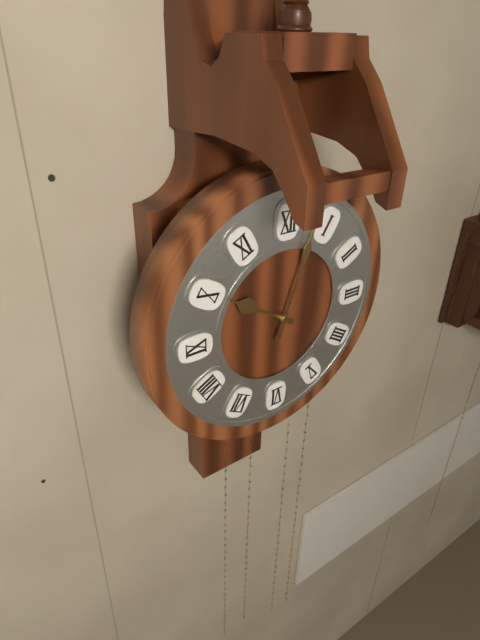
10:03
